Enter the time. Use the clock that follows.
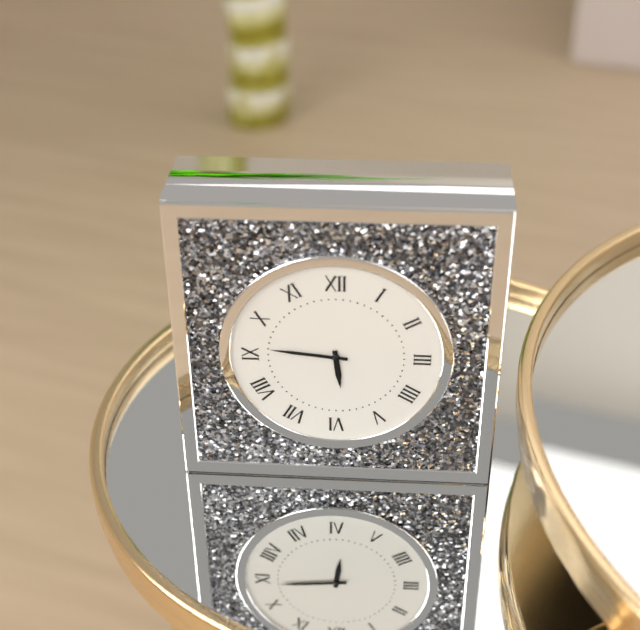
5:46
